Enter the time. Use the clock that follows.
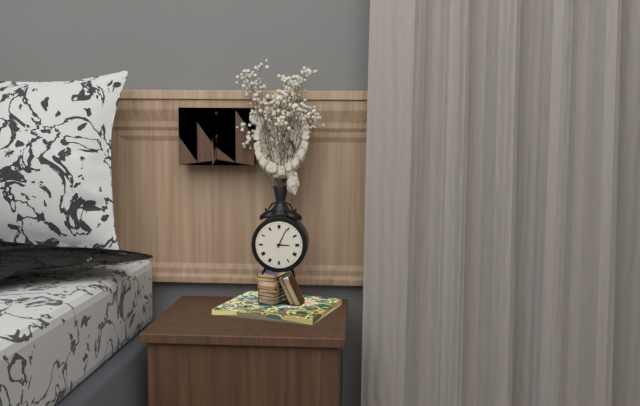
3:04
